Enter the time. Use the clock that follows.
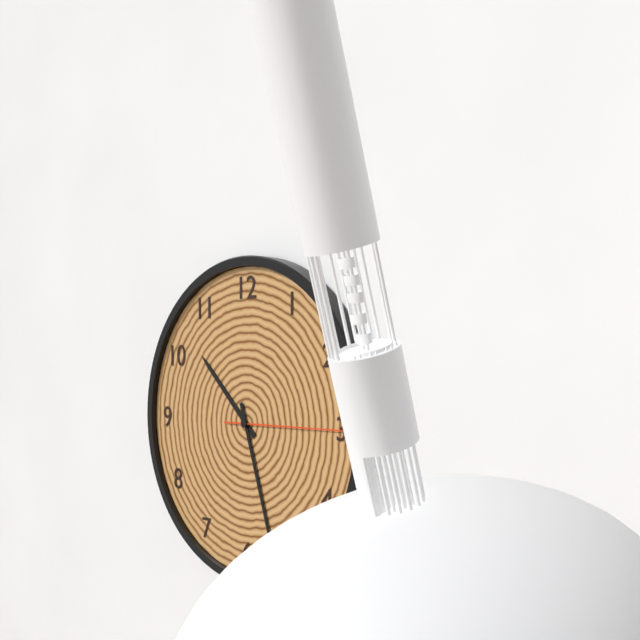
10:27:15
